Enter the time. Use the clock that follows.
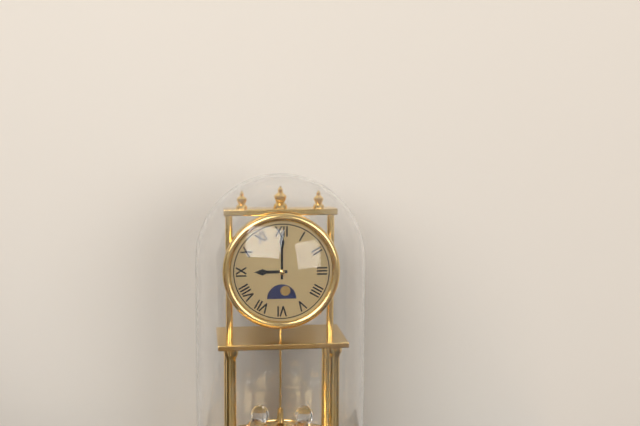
9:00
